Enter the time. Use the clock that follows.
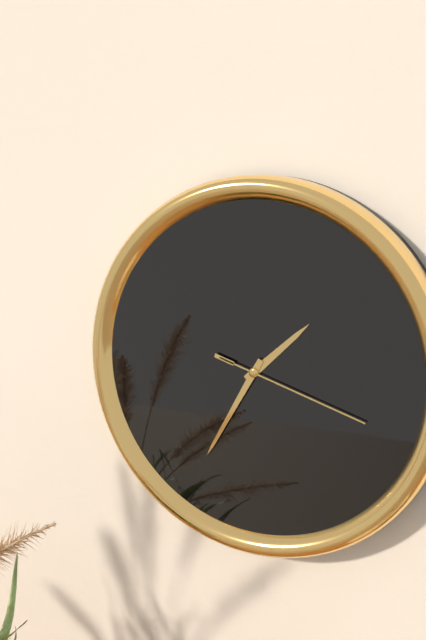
1:35:18
